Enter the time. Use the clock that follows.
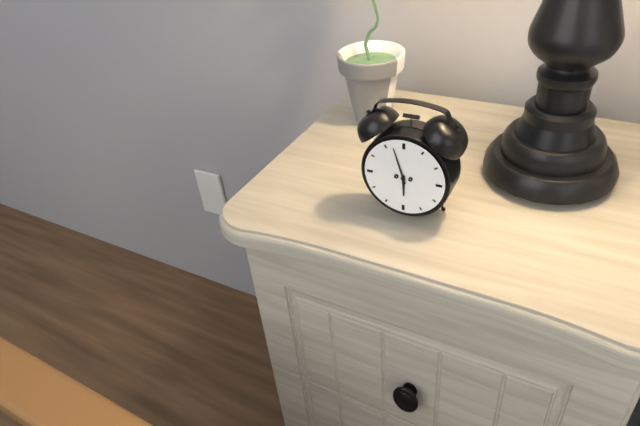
5:57
